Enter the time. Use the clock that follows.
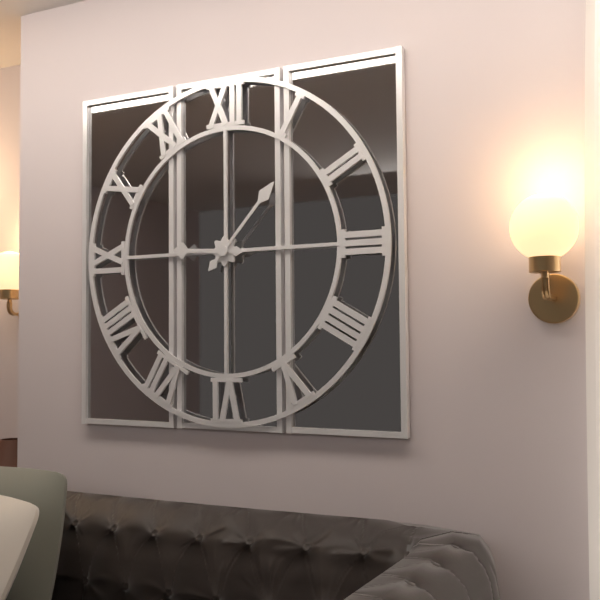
9:07
